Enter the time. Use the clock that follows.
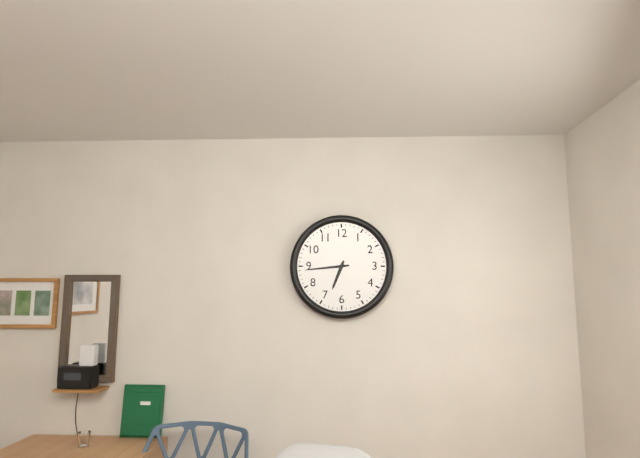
6:44
